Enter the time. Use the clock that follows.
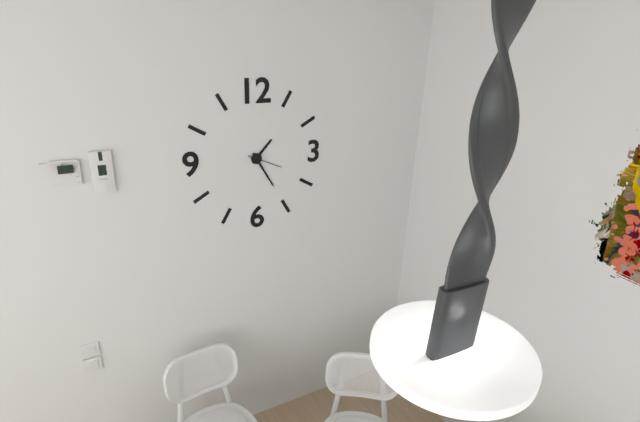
1:25
